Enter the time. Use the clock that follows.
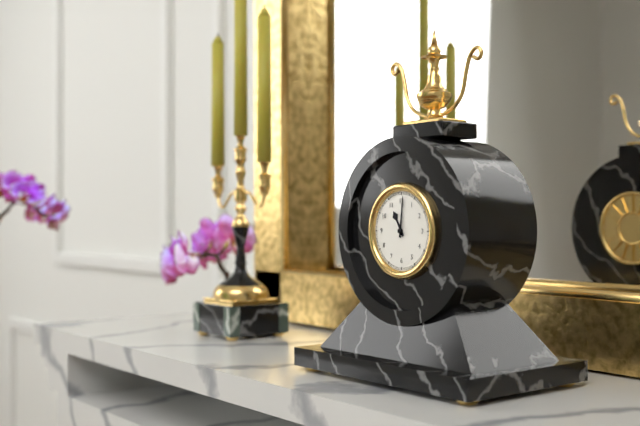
11:01
